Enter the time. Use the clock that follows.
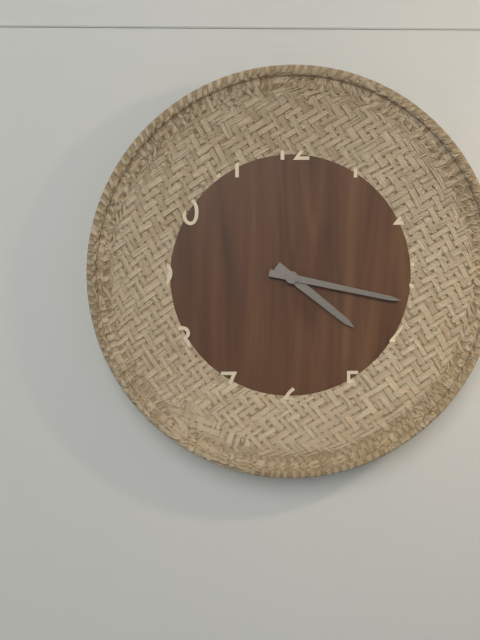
4:17
